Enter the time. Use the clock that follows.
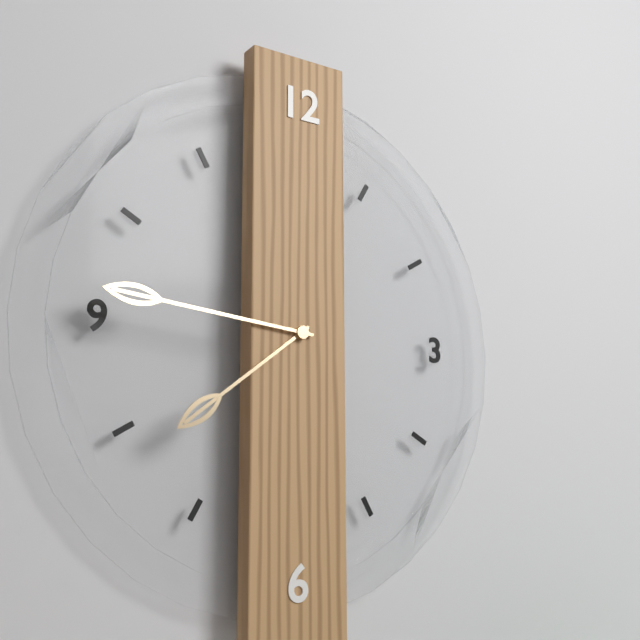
7:46
